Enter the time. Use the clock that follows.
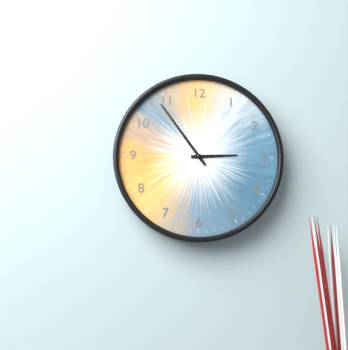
2:54
